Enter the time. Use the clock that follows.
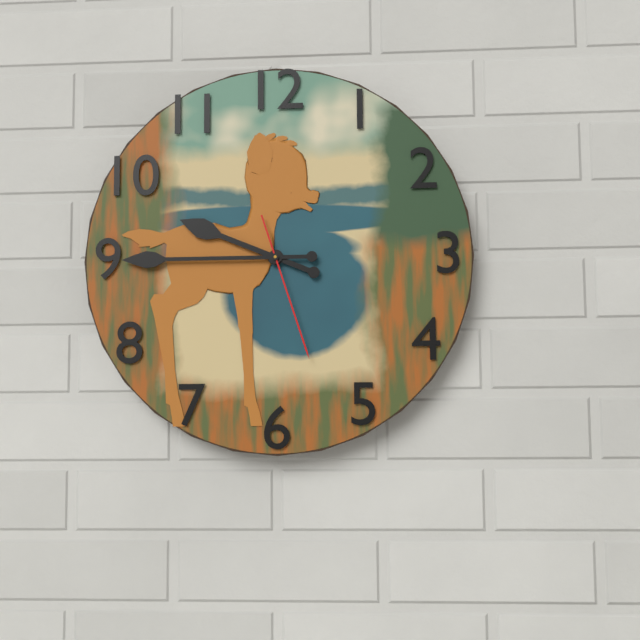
9:45:27
